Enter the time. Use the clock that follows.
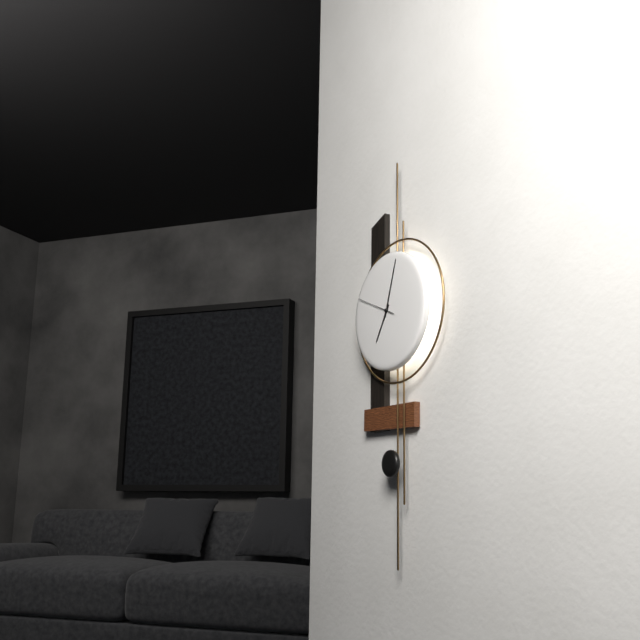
7:03
